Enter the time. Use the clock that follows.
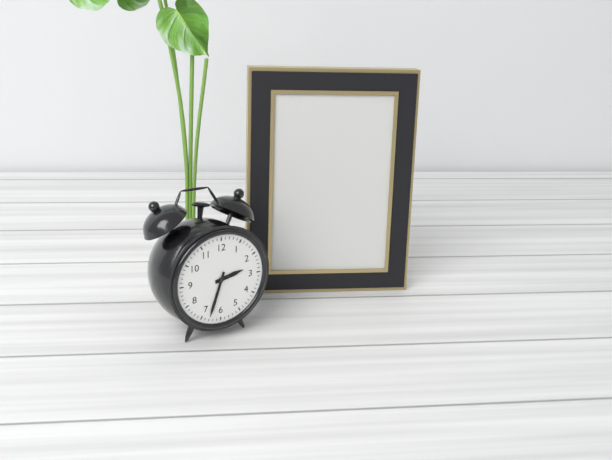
2:33
